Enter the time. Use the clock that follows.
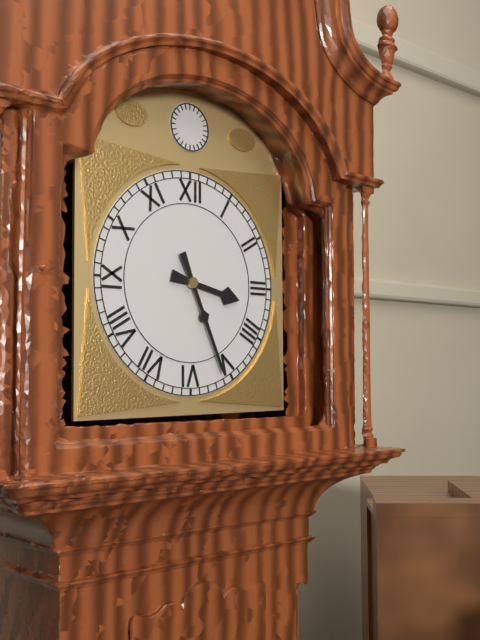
3:26
